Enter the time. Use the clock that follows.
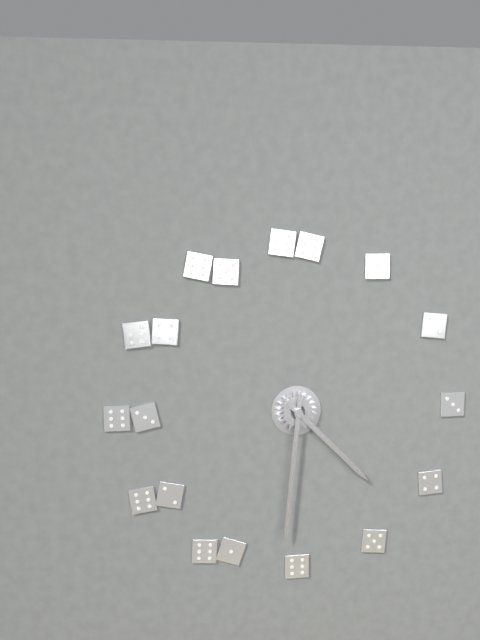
4:31
